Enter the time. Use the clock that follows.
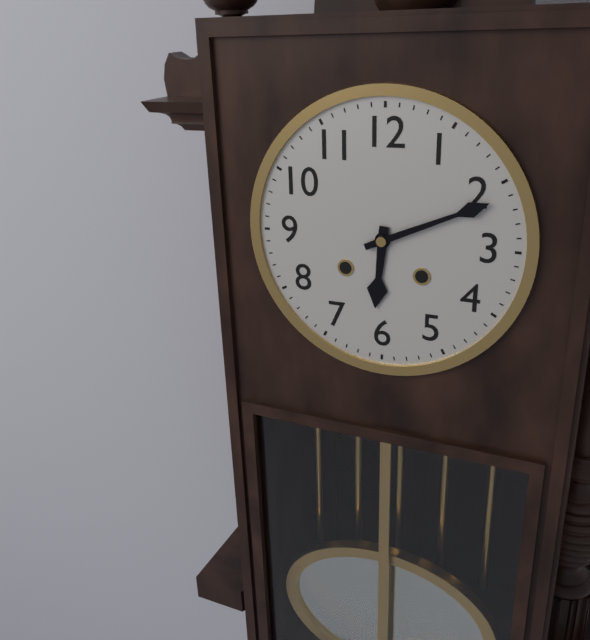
6:11
